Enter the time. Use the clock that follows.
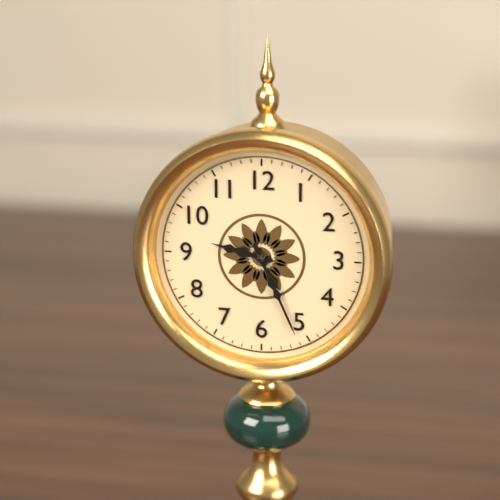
9:26
